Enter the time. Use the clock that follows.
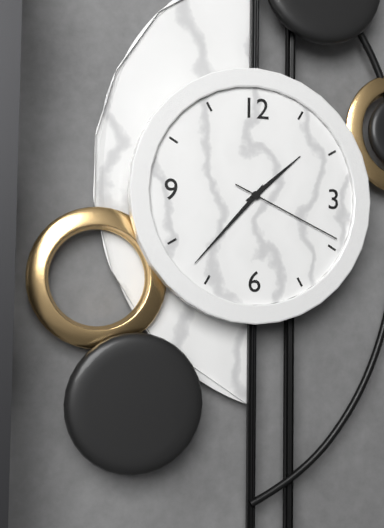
1:37:19
